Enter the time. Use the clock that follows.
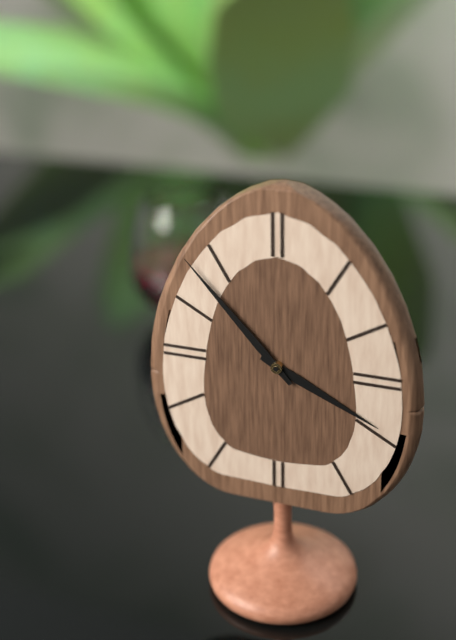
3:53
